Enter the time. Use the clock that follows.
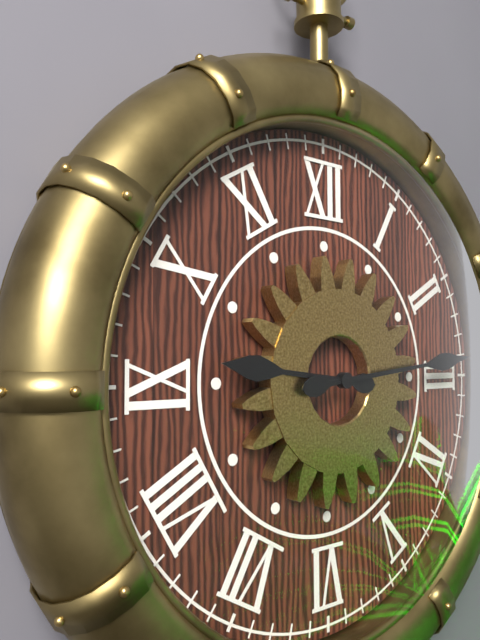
9:14
